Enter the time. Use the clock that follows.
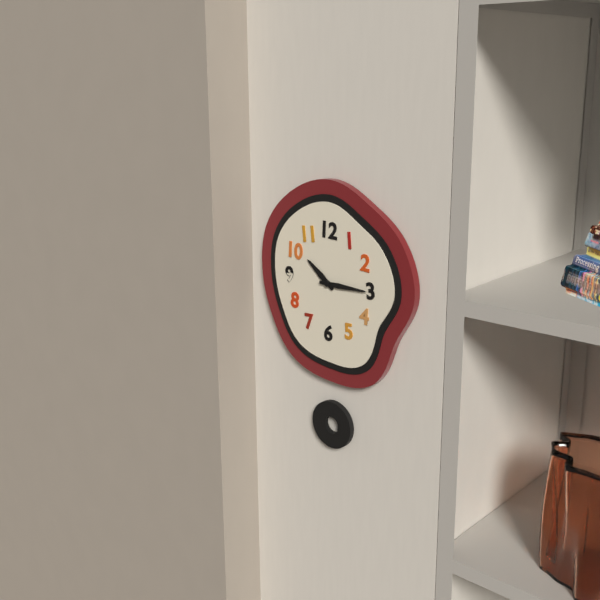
10:15
